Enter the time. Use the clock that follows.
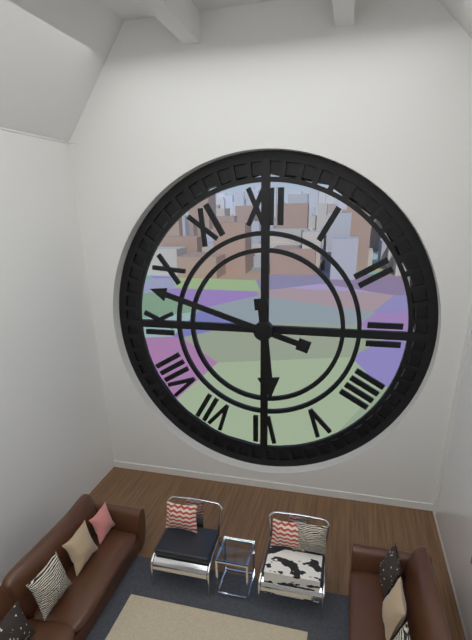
5:48
